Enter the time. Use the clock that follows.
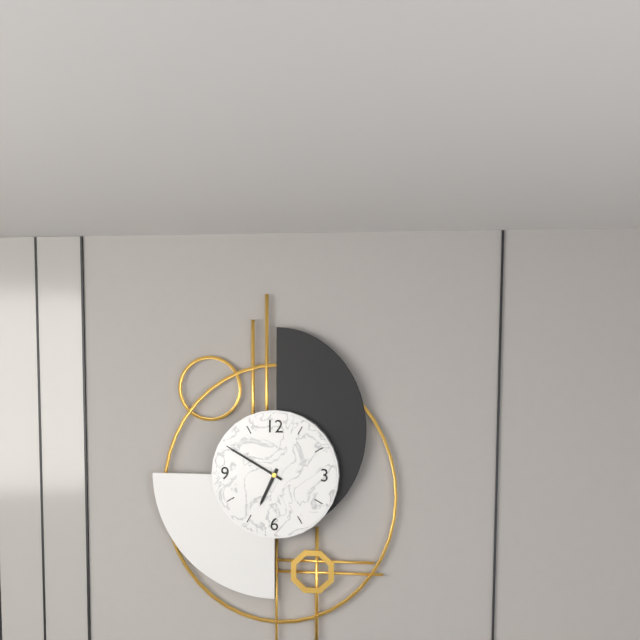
6:50
